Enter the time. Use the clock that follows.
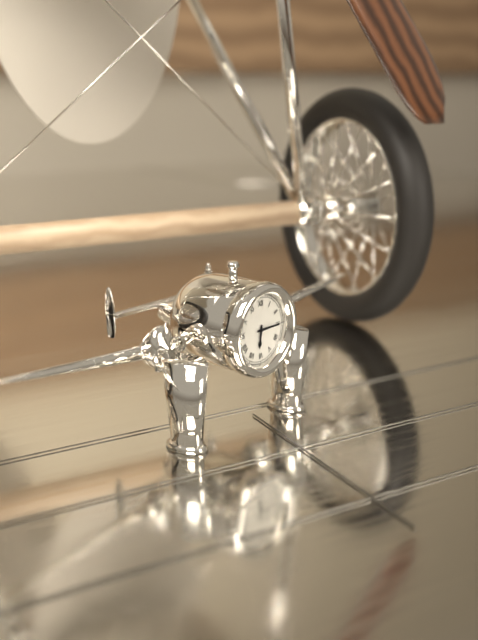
6:15
